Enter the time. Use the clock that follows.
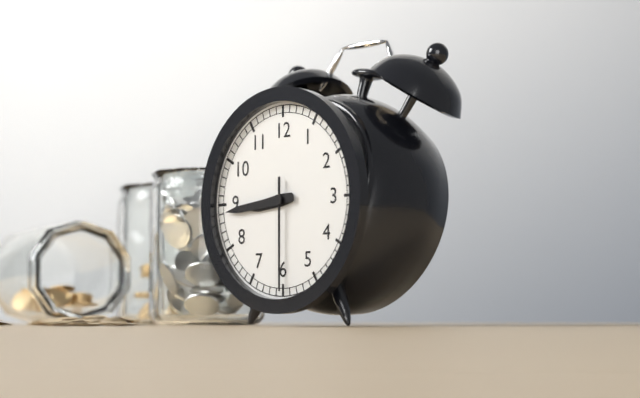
8:44:30
